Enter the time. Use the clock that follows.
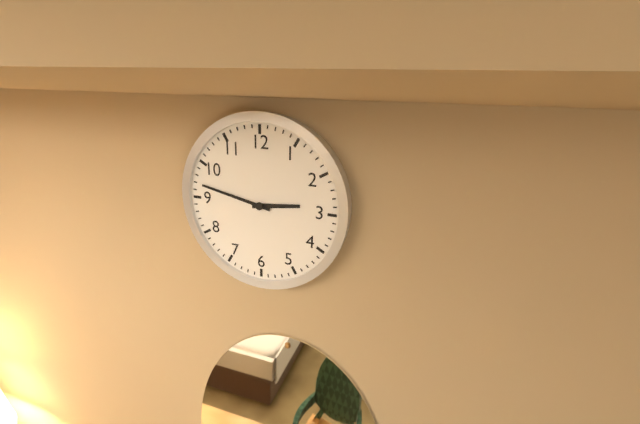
2:47
